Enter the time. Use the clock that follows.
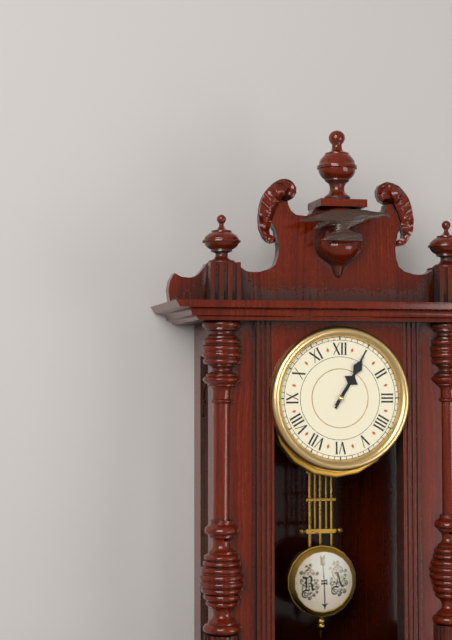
1:05
